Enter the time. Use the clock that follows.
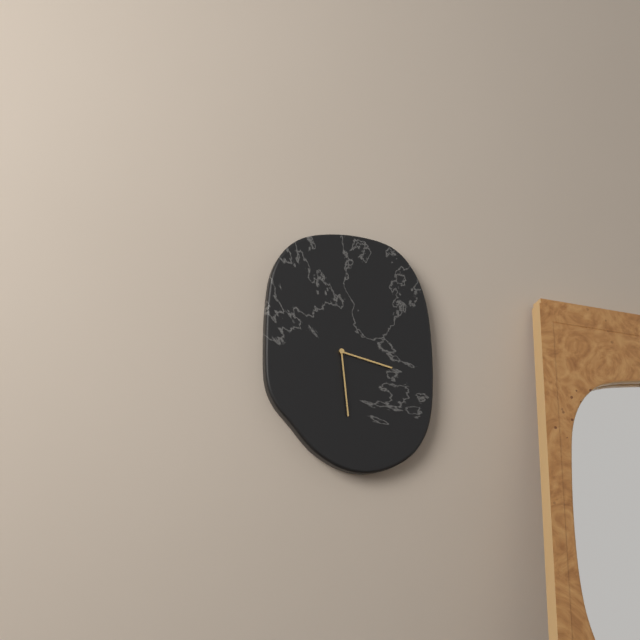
3:29
